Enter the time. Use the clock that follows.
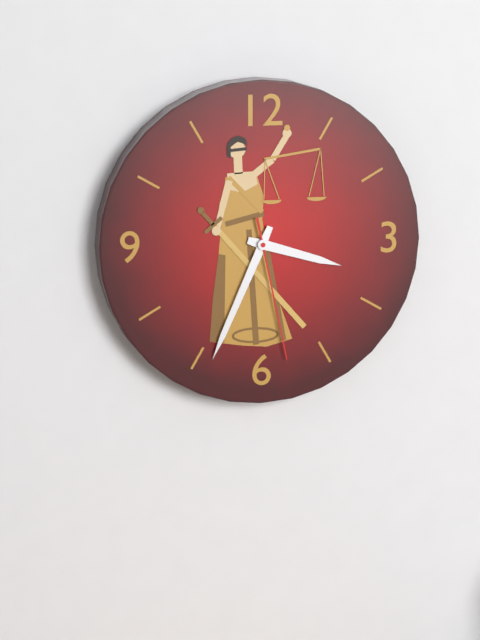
3:34:28
